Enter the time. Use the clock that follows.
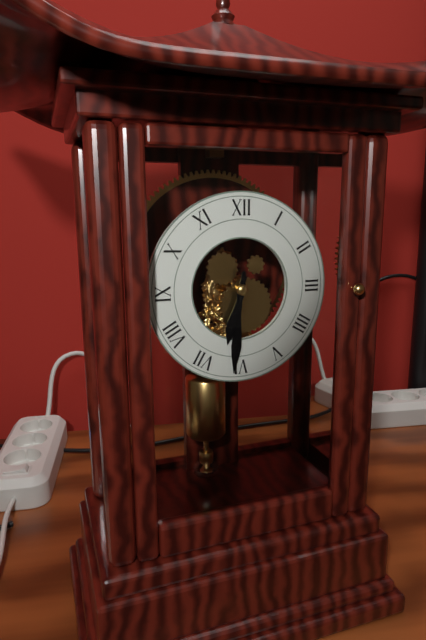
6:31
